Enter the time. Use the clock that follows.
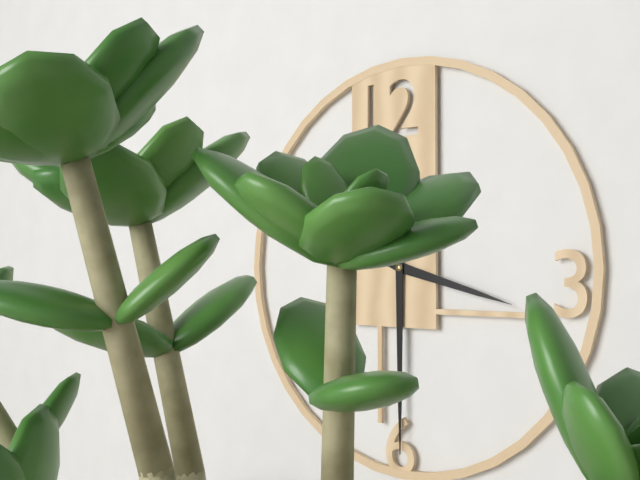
3:30
